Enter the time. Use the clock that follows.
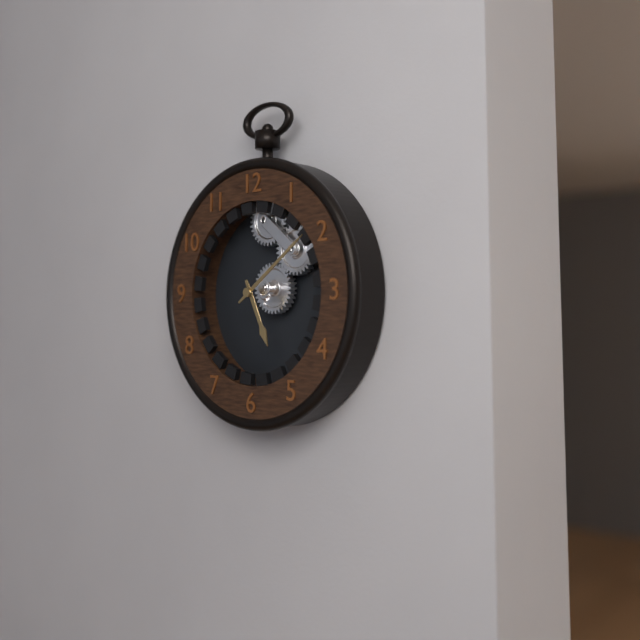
5:09
